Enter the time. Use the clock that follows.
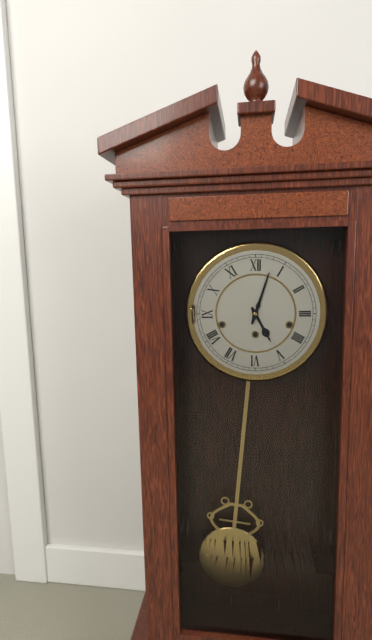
5:03
